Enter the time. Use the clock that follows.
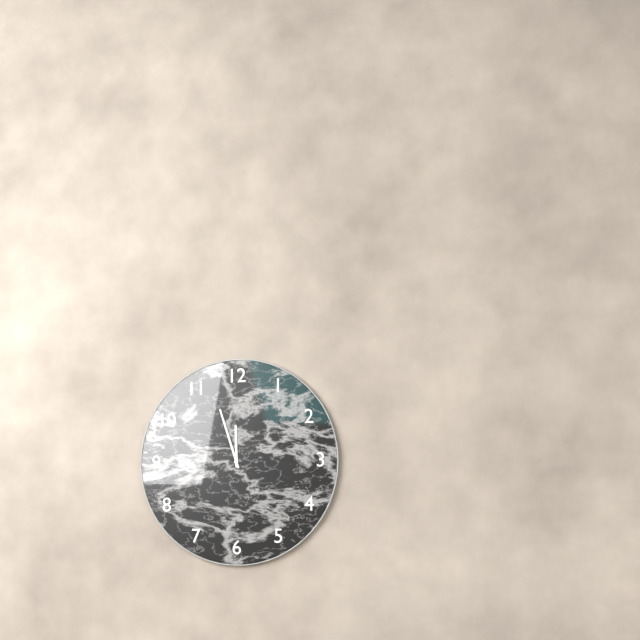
11:57
